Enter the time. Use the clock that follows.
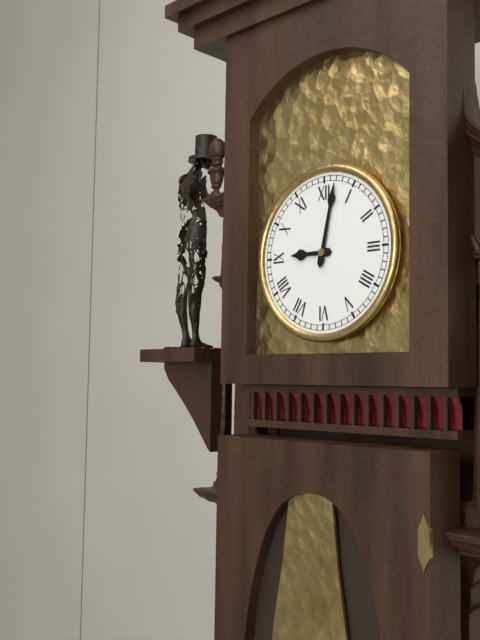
9:02
